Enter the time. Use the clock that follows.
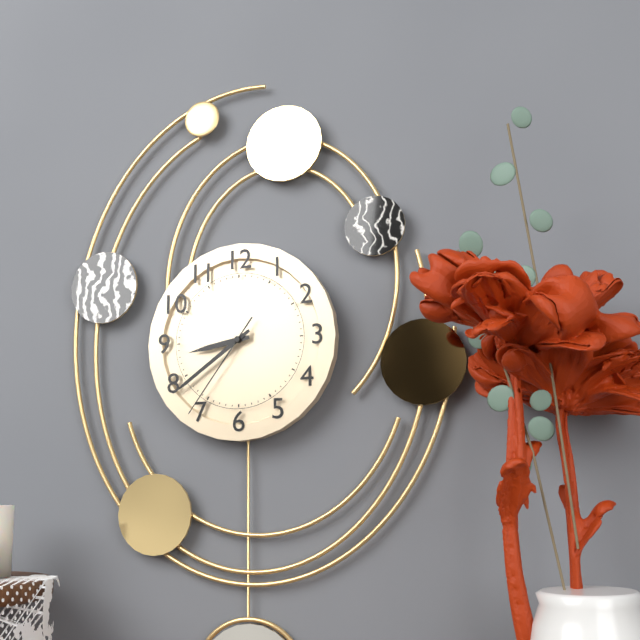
8:39:36
